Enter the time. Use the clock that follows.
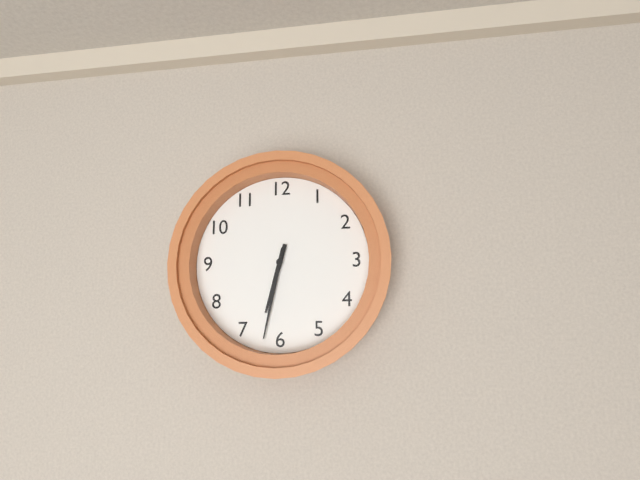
6:32
